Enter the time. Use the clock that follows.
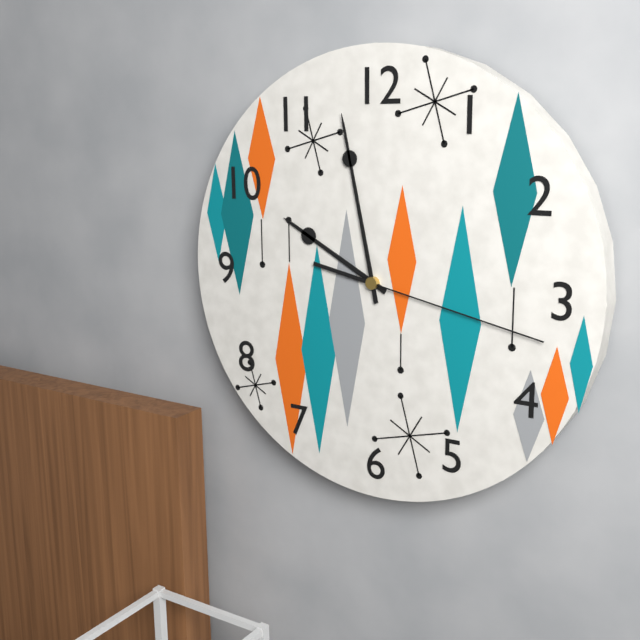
9:58:17
